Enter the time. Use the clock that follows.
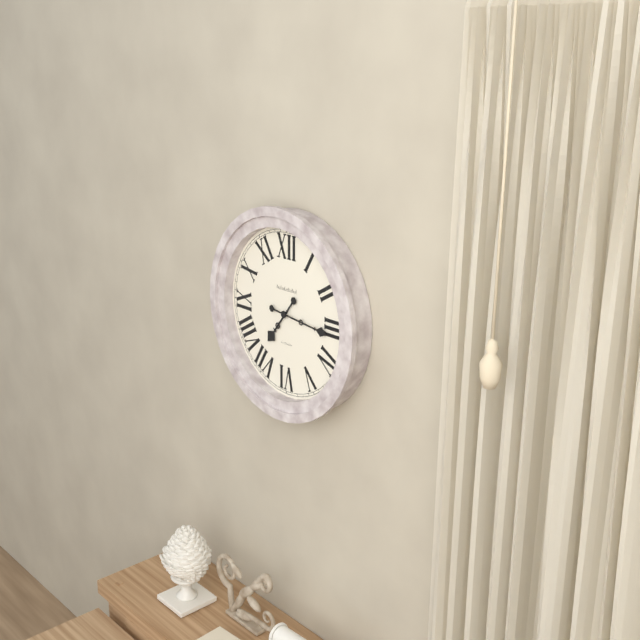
7:16
